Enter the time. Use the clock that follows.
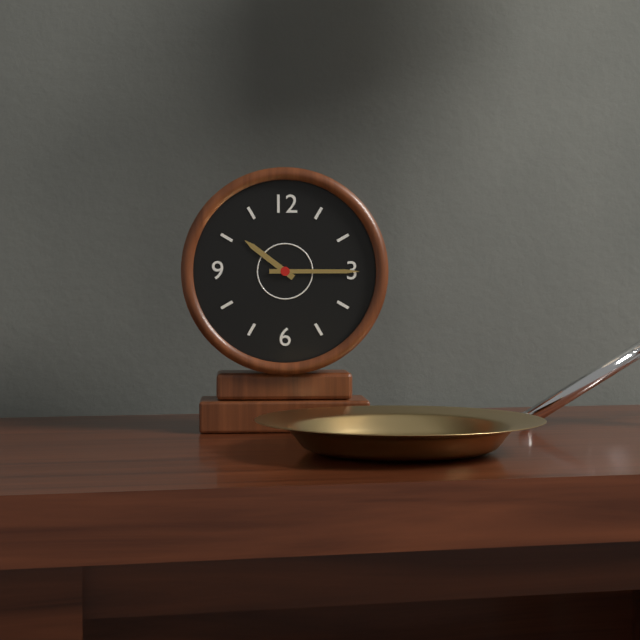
10:15
